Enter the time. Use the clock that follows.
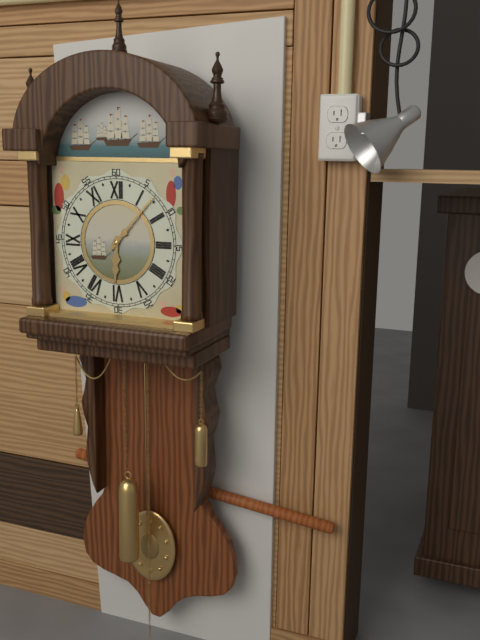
6:07
